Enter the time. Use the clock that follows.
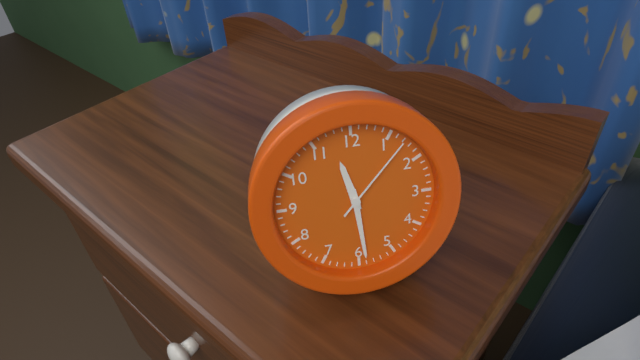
11:29:07
